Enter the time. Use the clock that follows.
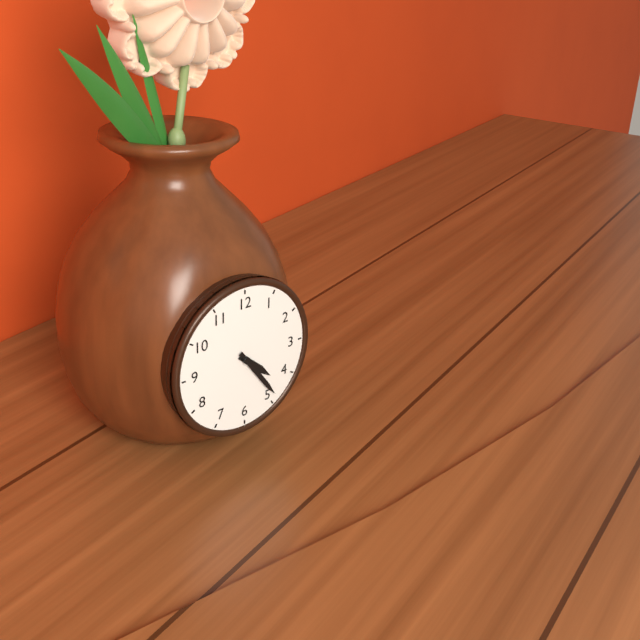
4:24
